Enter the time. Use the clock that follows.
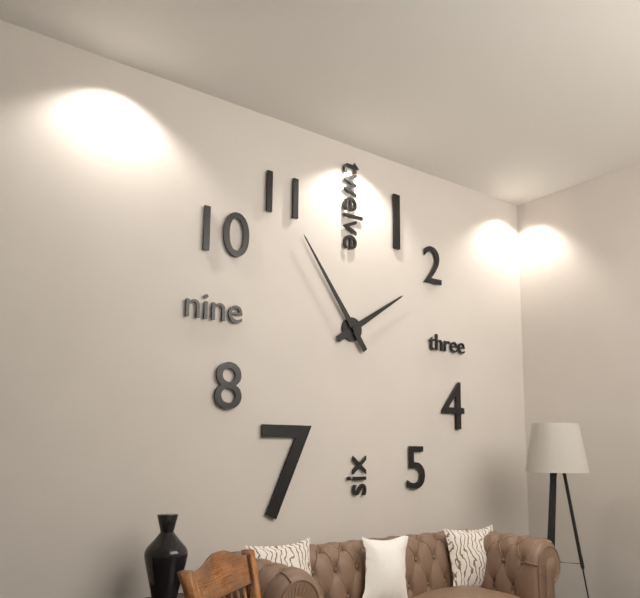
1:54
